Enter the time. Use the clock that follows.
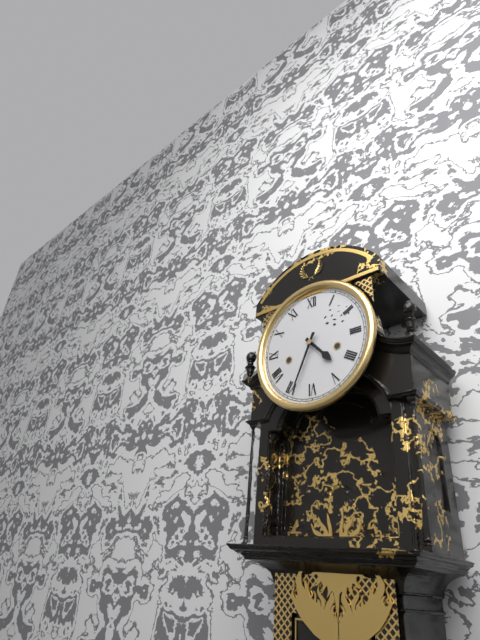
4:34
